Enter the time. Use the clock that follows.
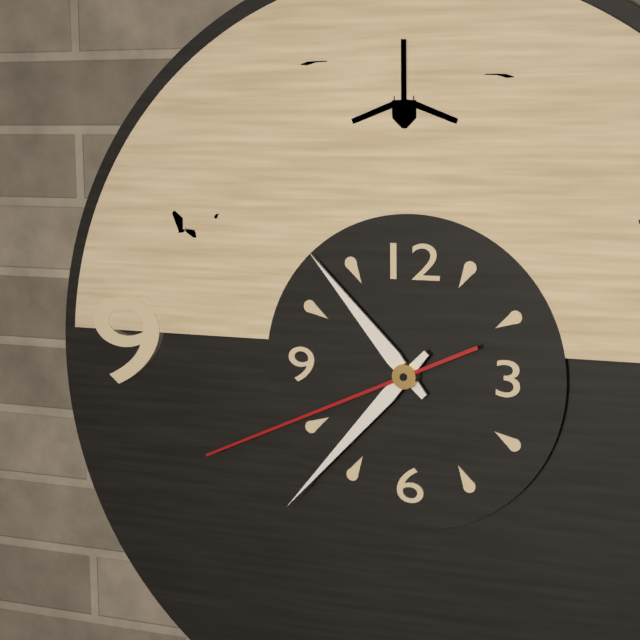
10:37:41
